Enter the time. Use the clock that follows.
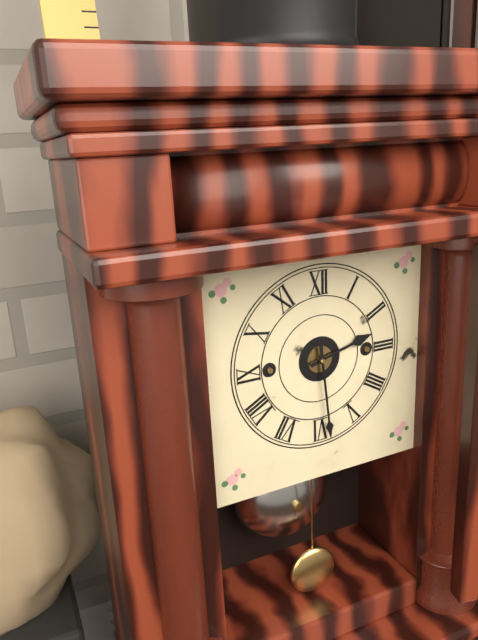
2:29
